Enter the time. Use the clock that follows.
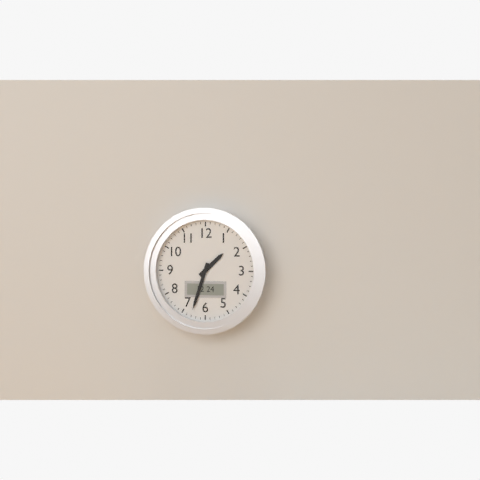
1:33
